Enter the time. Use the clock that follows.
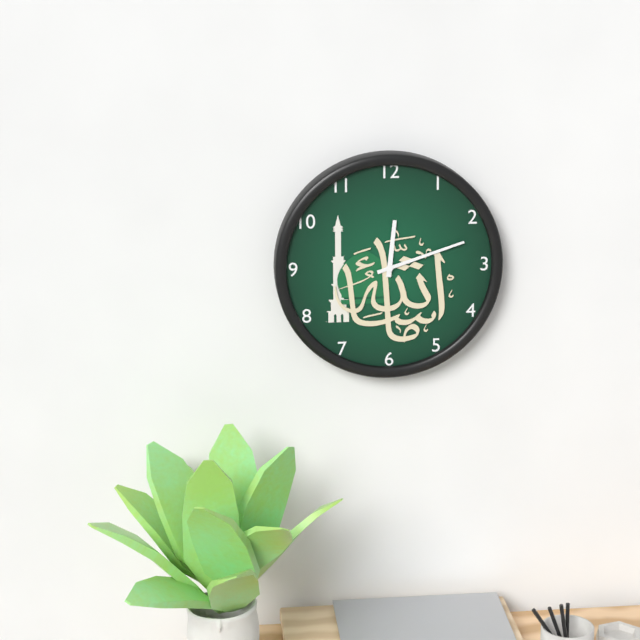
12:12
